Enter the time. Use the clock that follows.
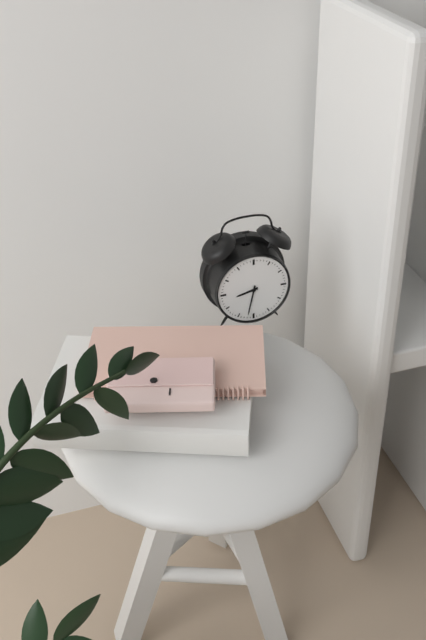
8:32
